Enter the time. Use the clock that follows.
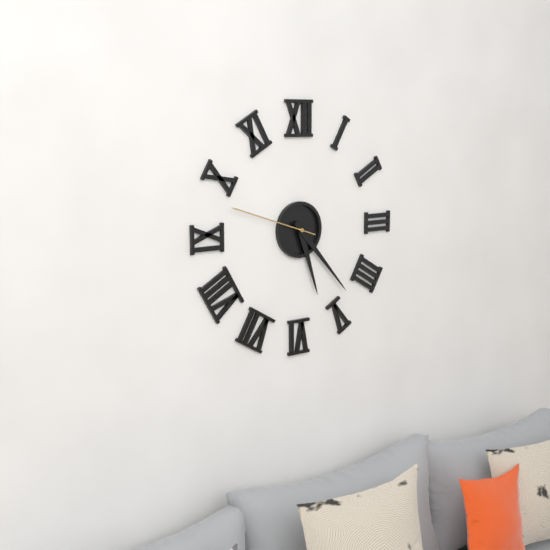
5:23:48
